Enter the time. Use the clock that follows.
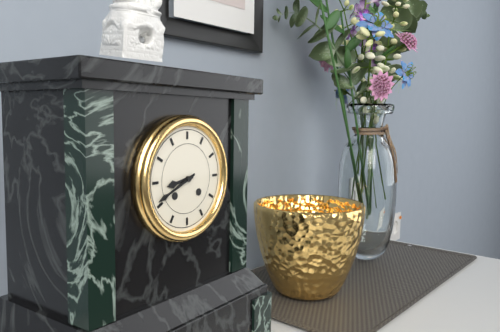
8:41
